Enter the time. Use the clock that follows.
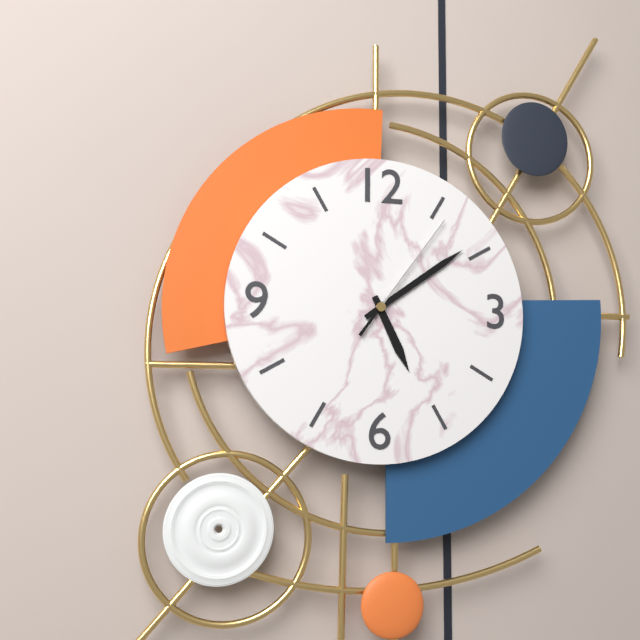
5:09:06
